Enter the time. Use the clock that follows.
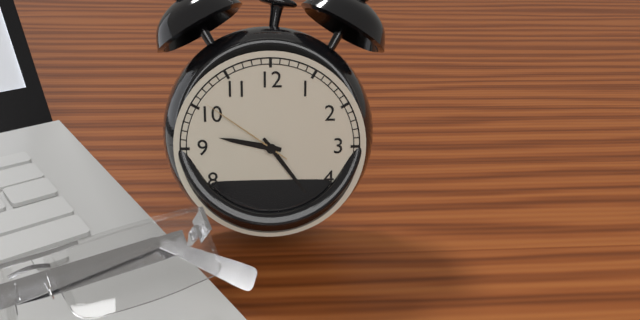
9:24:51
